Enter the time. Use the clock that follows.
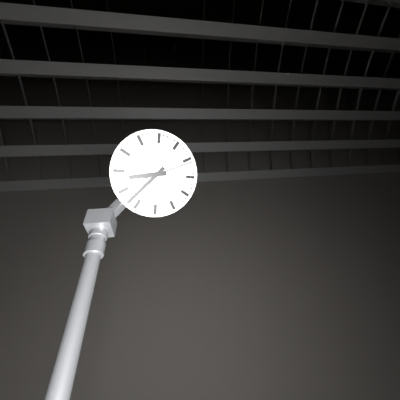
8:37
